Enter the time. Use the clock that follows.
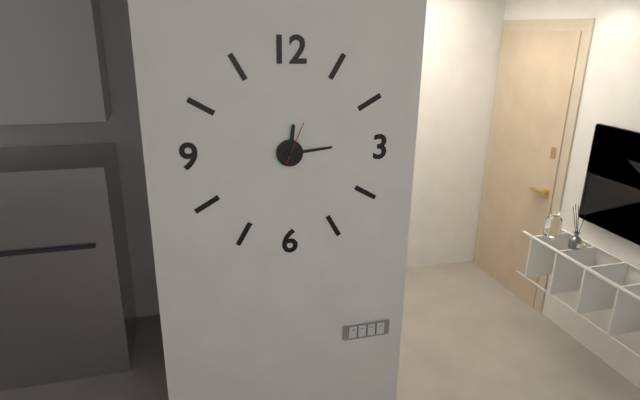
12:14
